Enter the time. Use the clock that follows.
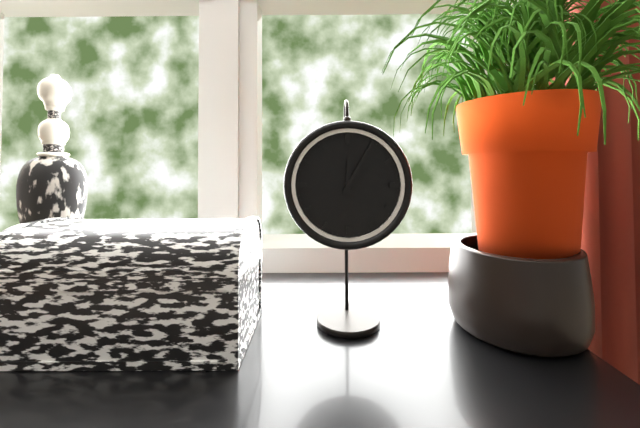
12:05
